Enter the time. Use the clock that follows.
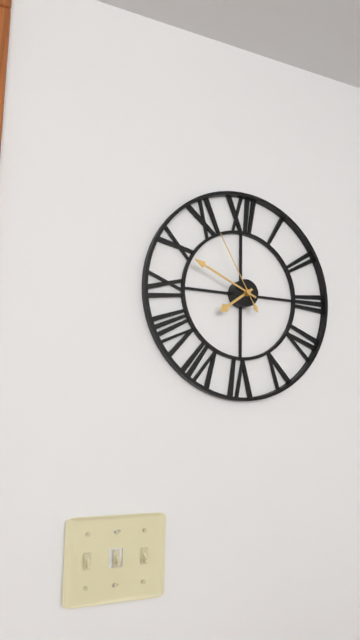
7:49:55
